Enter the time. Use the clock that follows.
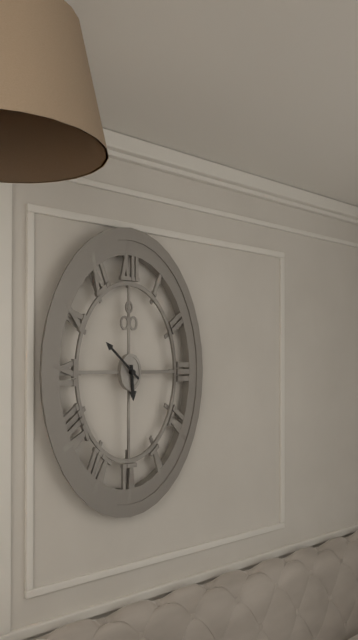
5:52
